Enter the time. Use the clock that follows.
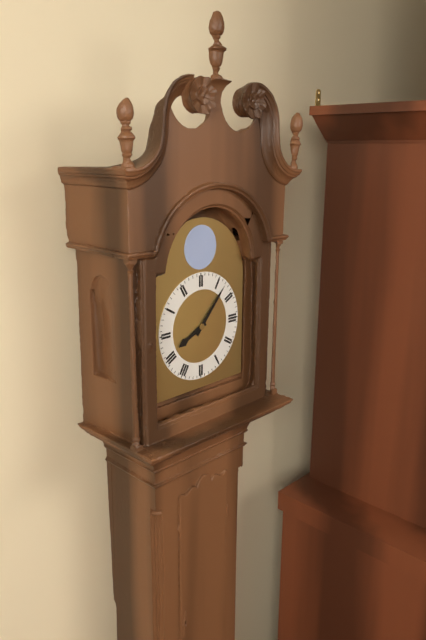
8:07
